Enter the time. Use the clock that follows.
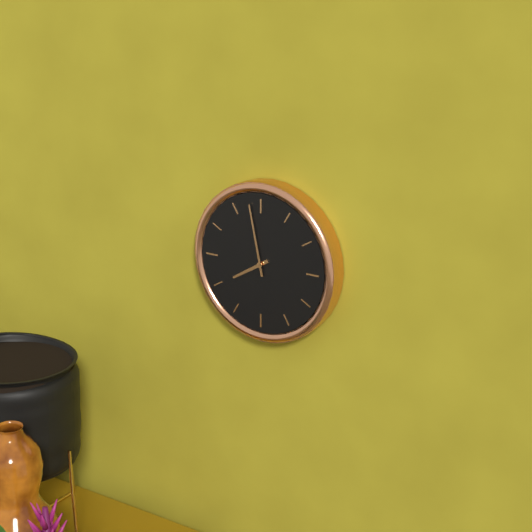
7:58
